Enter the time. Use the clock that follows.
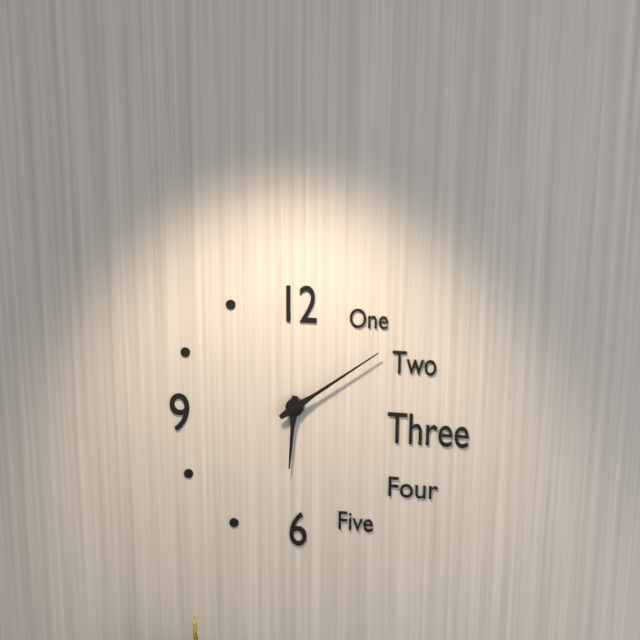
6:09
